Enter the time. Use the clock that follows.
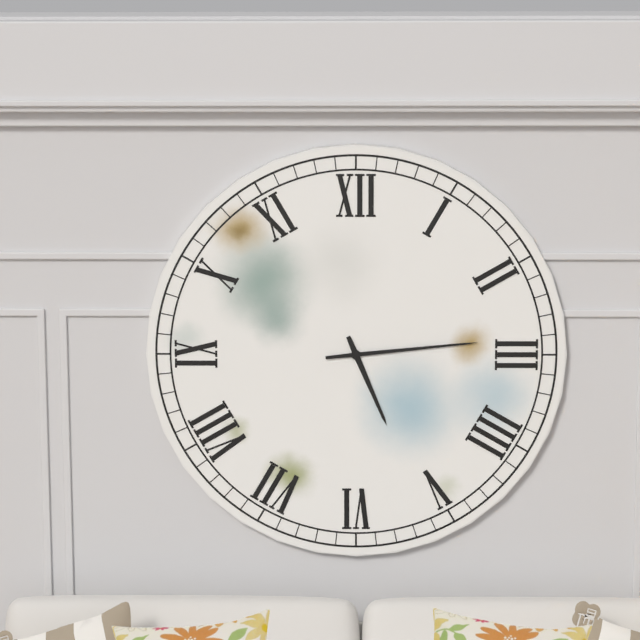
5:14
